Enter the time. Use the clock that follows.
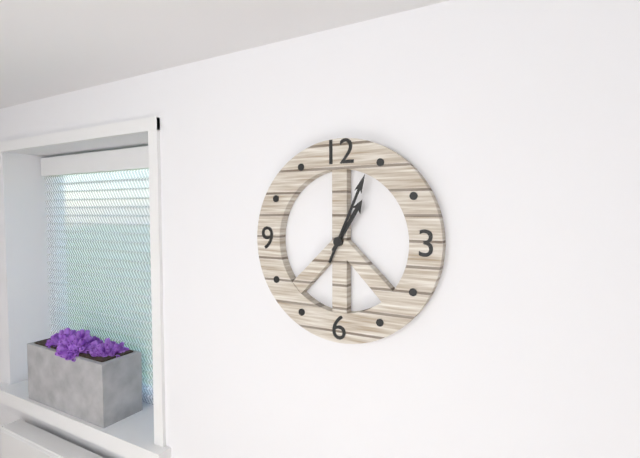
1:04
